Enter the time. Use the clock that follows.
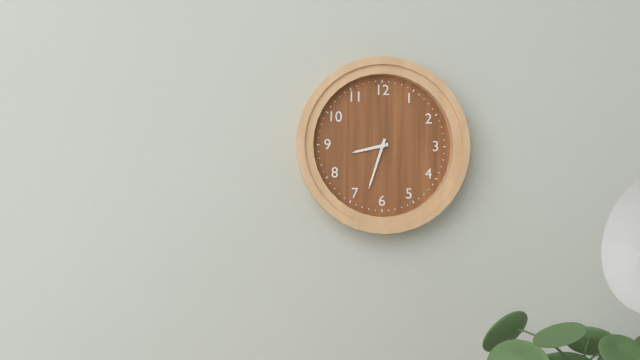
8:33
